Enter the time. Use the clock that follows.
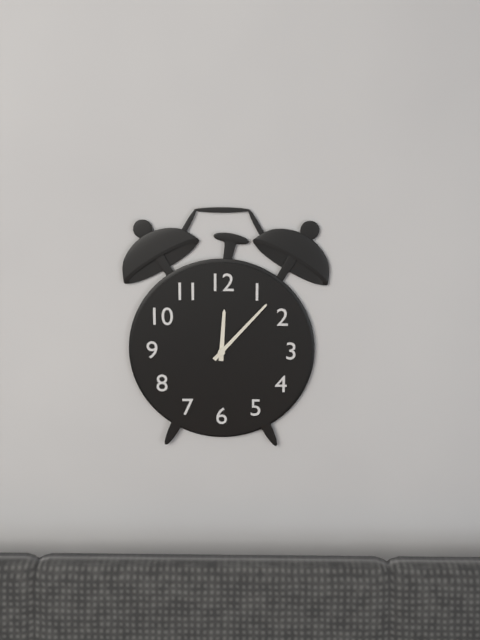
12:07
